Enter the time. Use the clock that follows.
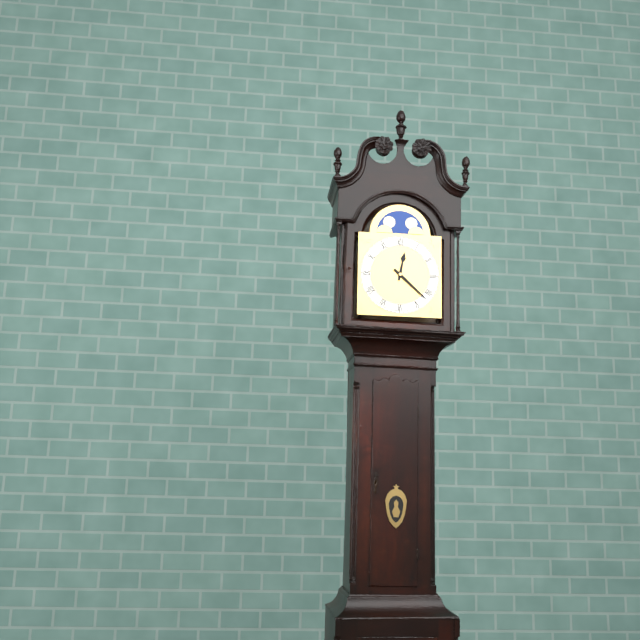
12:22
